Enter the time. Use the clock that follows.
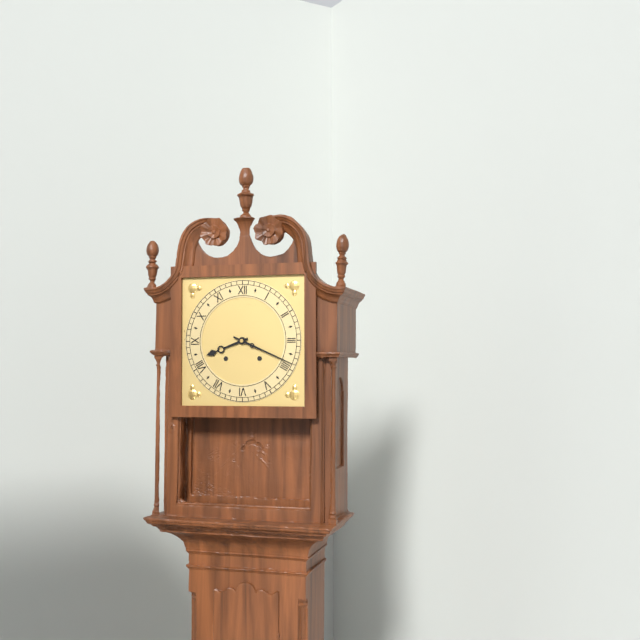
8:19
